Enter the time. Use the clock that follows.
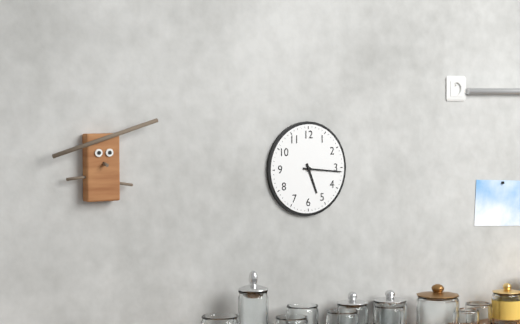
5:16
